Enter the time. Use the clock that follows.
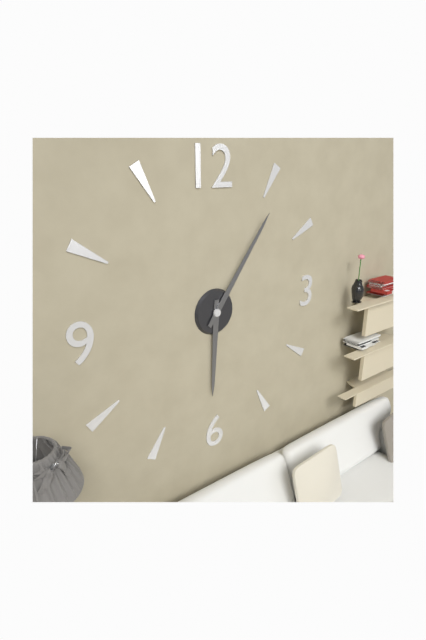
6:06
